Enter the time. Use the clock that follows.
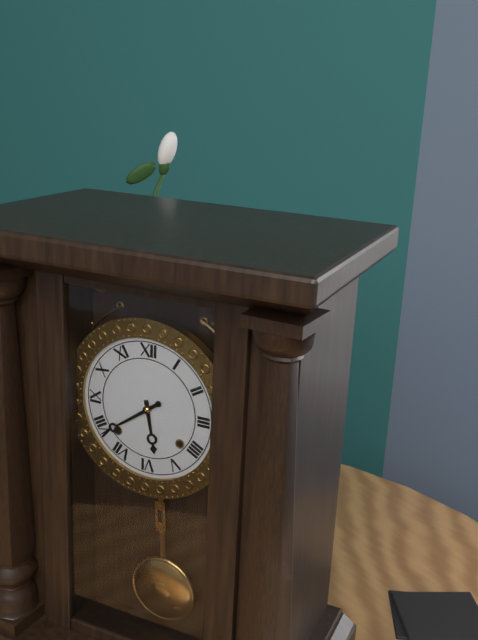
5:39
